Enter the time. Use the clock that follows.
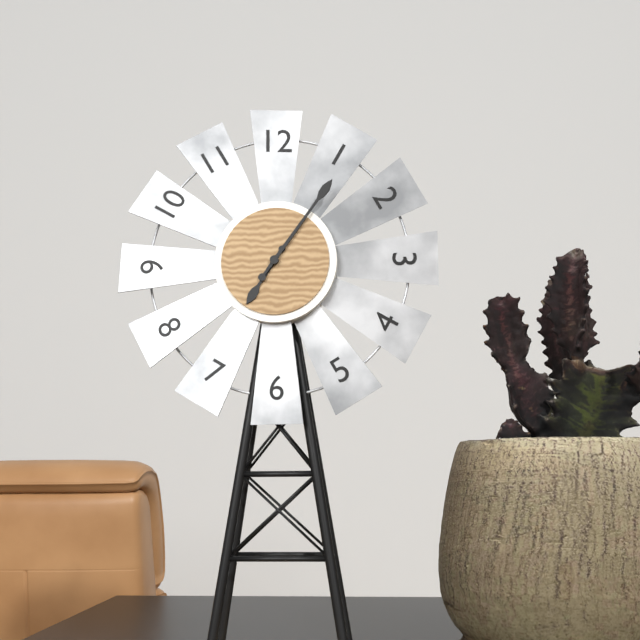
7:06
